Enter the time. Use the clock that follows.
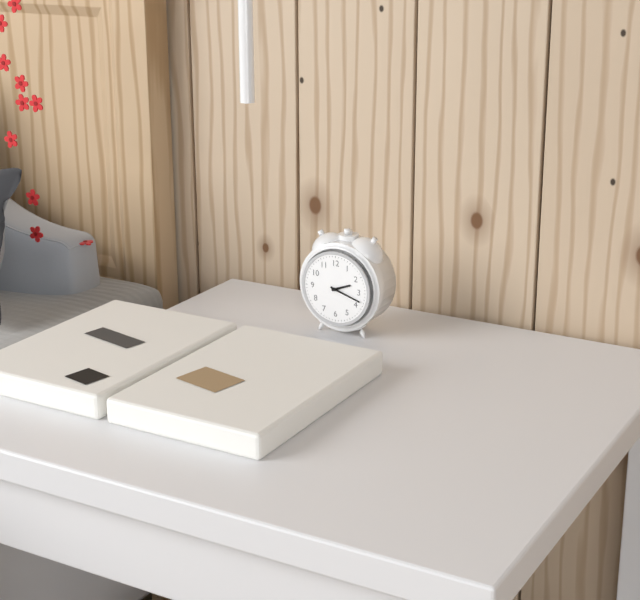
2:18
